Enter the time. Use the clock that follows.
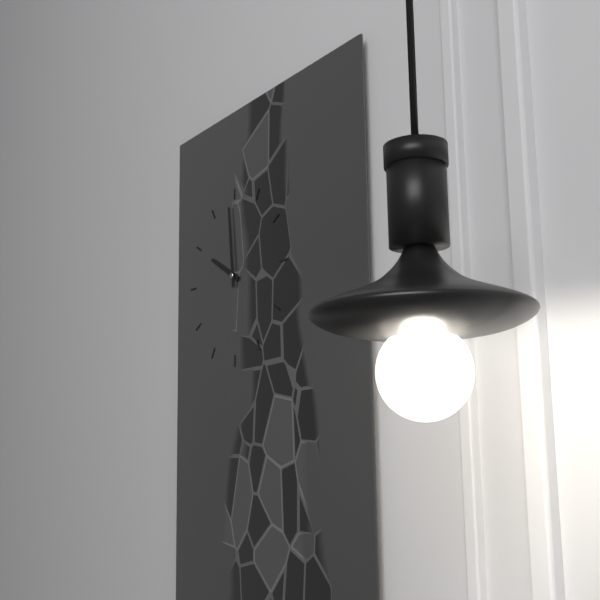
9:59
